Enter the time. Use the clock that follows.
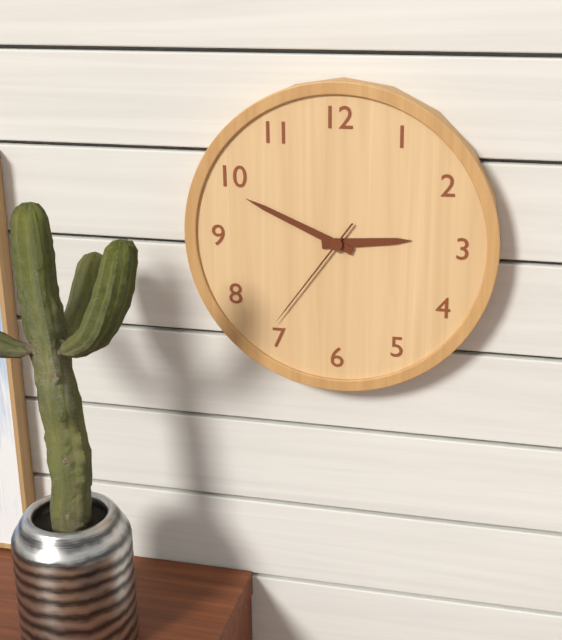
2:49:36
